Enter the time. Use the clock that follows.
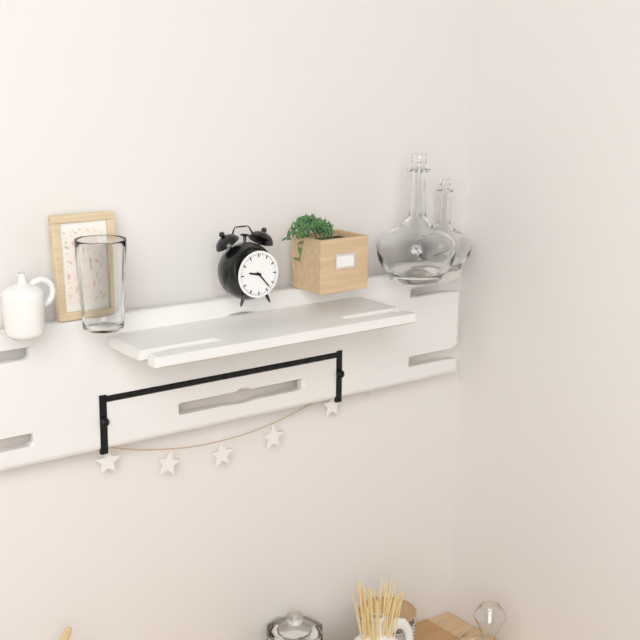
9:23
